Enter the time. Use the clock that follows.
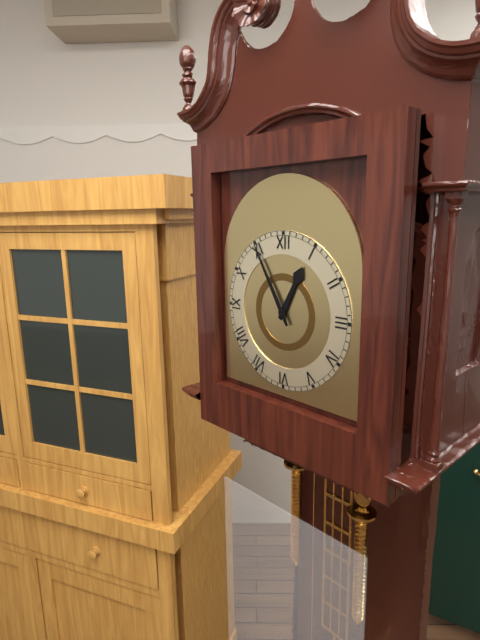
12:55
